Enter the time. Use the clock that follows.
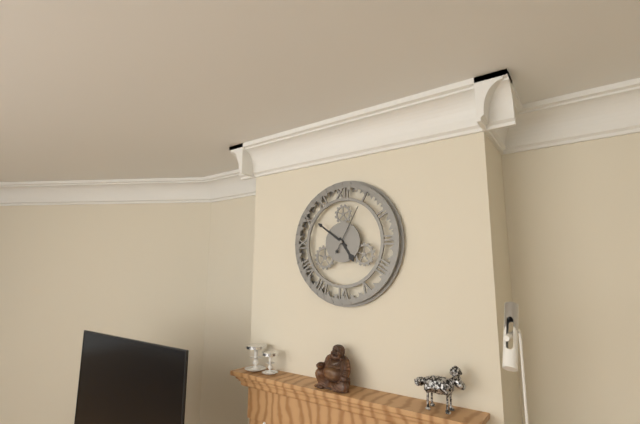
4:51
